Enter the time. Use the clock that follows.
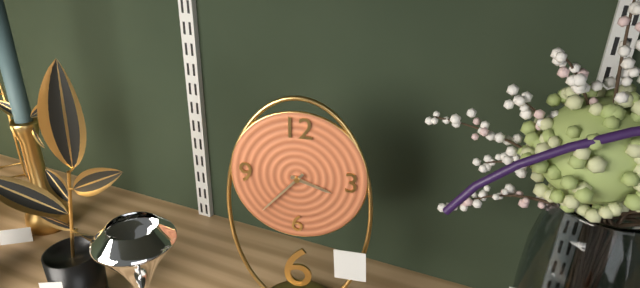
3:37
